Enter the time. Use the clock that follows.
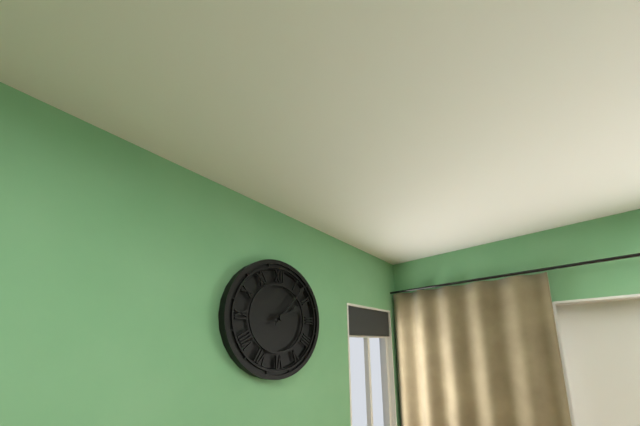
2:07
